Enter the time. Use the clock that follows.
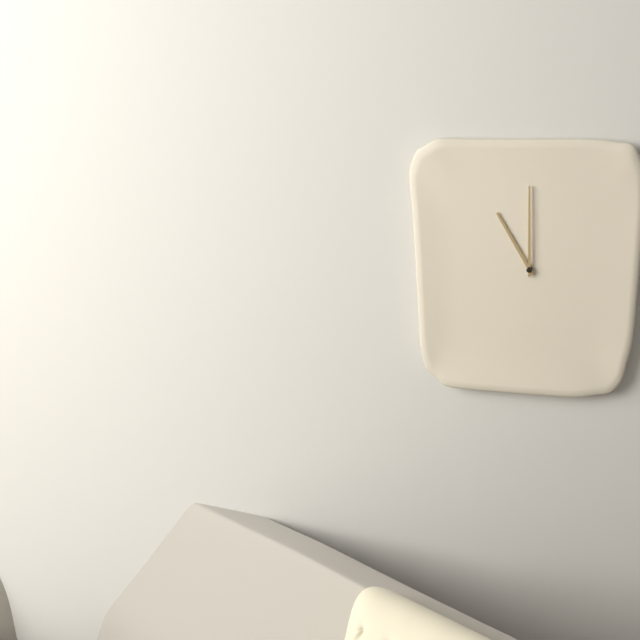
11:00
